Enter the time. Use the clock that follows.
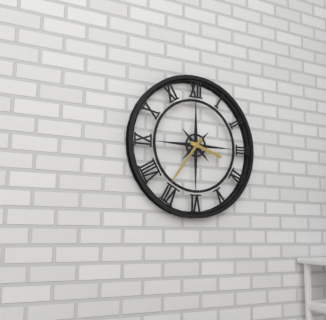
3:36
